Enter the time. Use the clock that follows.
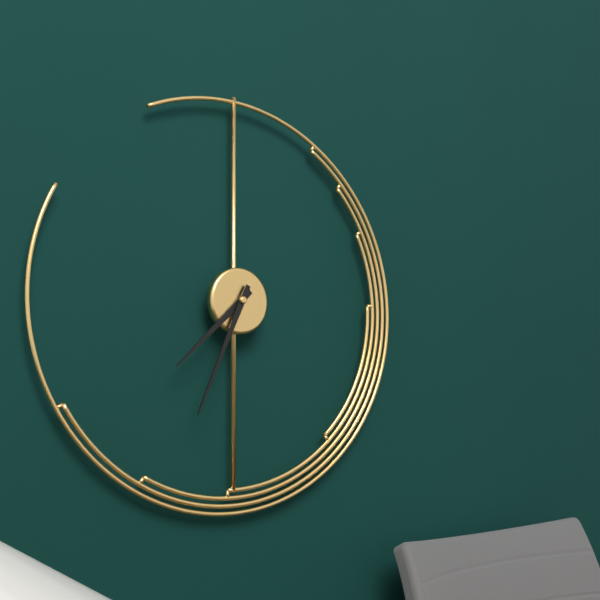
7:34
